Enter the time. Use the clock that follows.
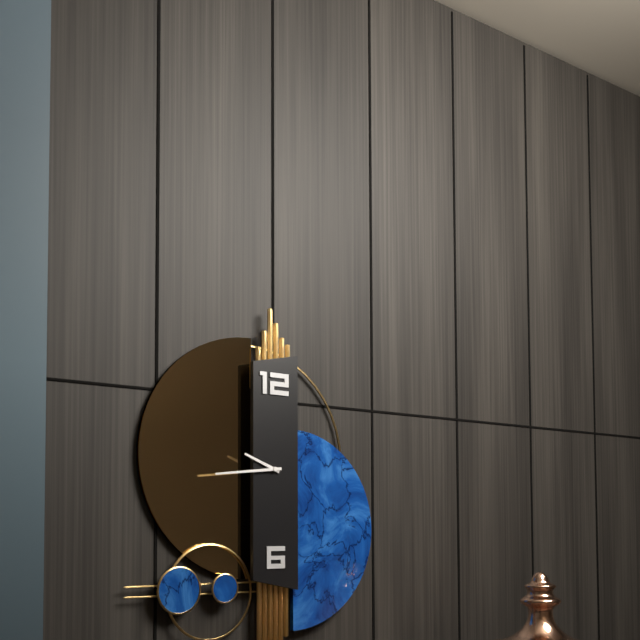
9:44
